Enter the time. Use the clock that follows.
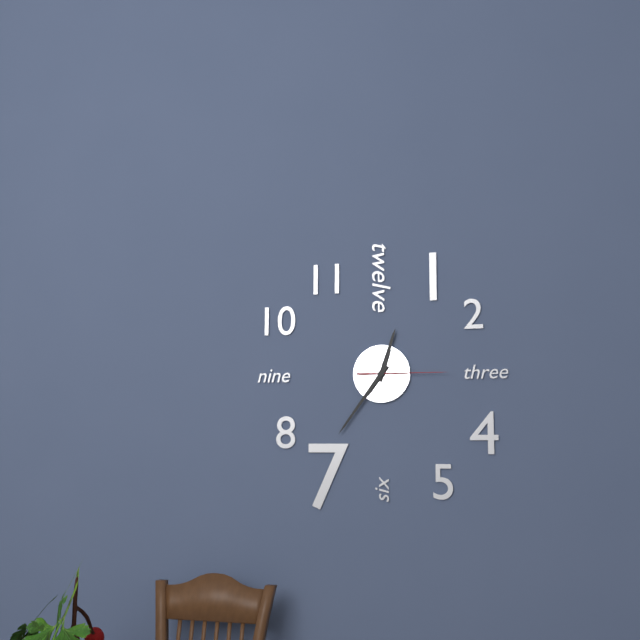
12:36:15
